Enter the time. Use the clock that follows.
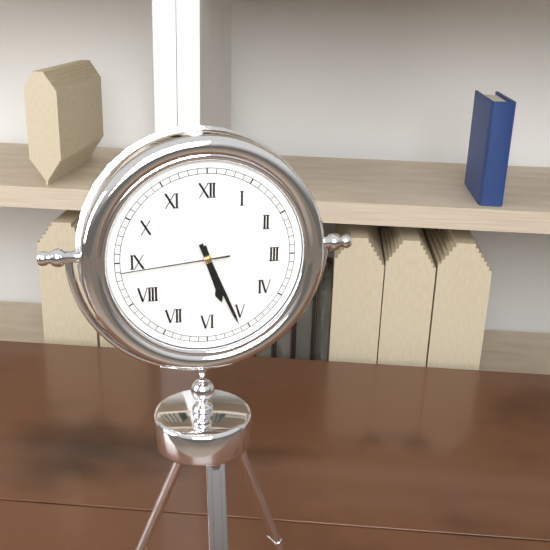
5:26:44
